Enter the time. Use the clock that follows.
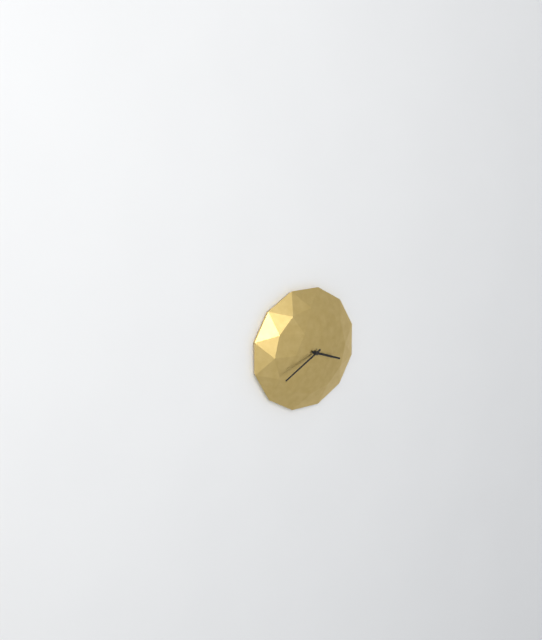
3:40
